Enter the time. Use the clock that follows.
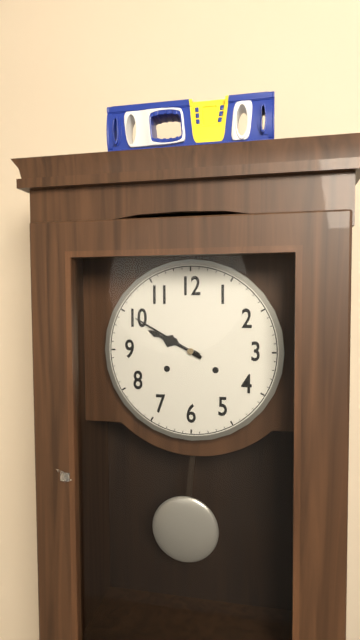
9:50
